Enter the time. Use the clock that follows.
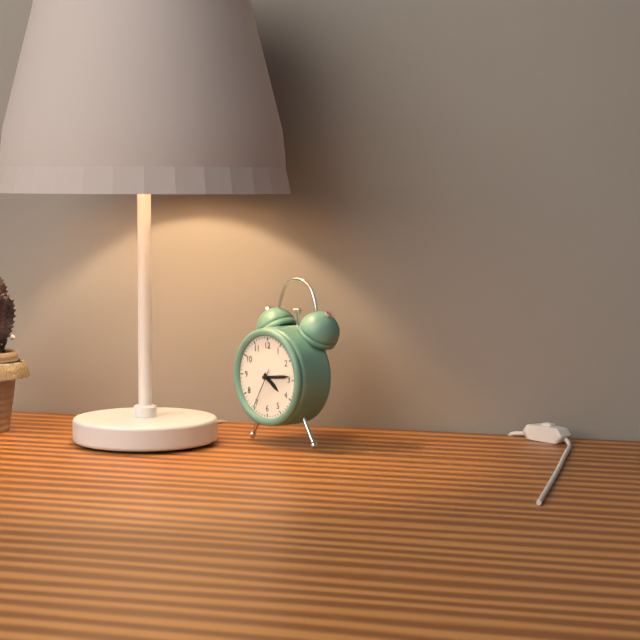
4:14
